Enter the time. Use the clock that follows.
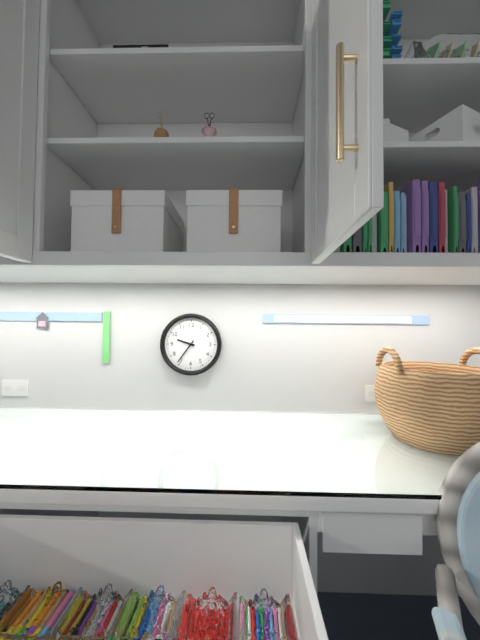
9:36
